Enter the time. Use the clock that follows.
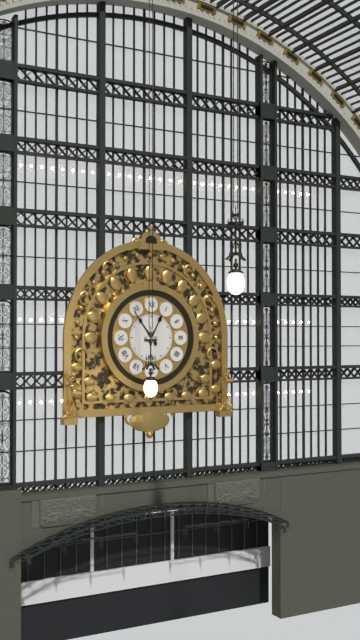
12:54
